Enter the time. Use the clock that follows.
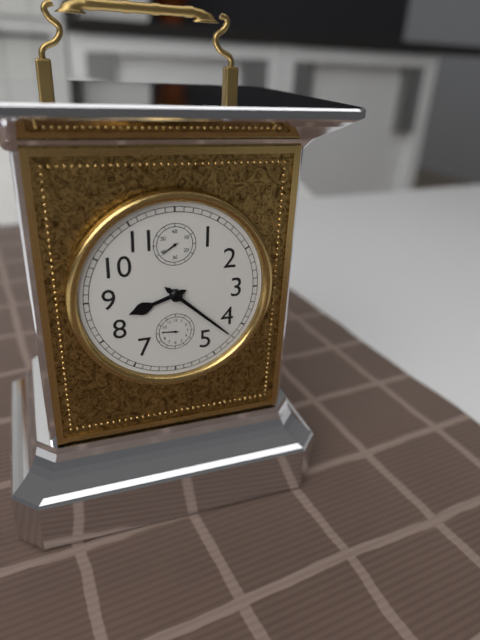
8:22
